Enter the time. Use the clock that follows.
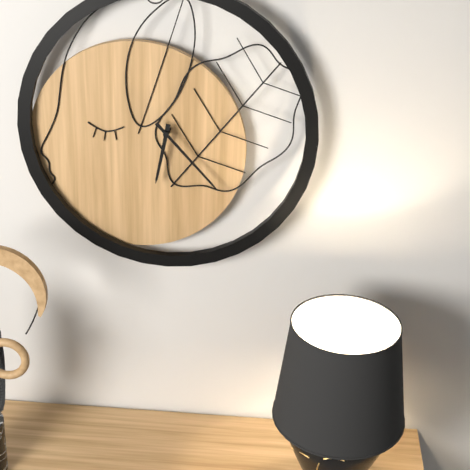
6:23
